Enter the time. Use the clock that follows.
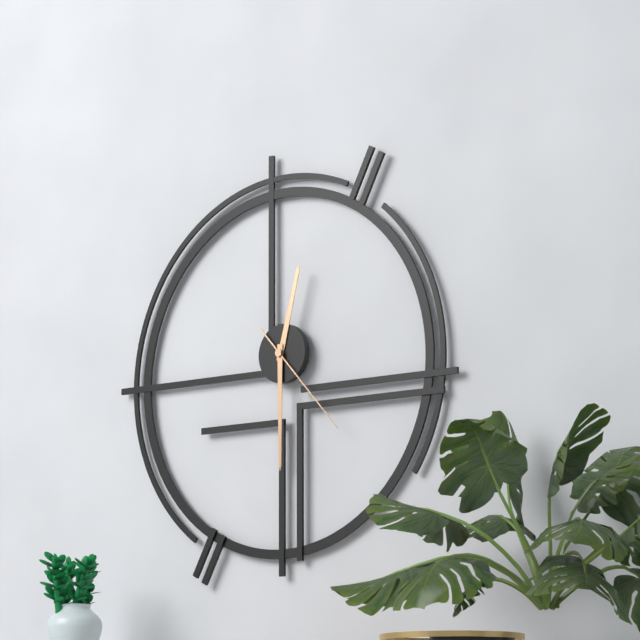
12:30:23
